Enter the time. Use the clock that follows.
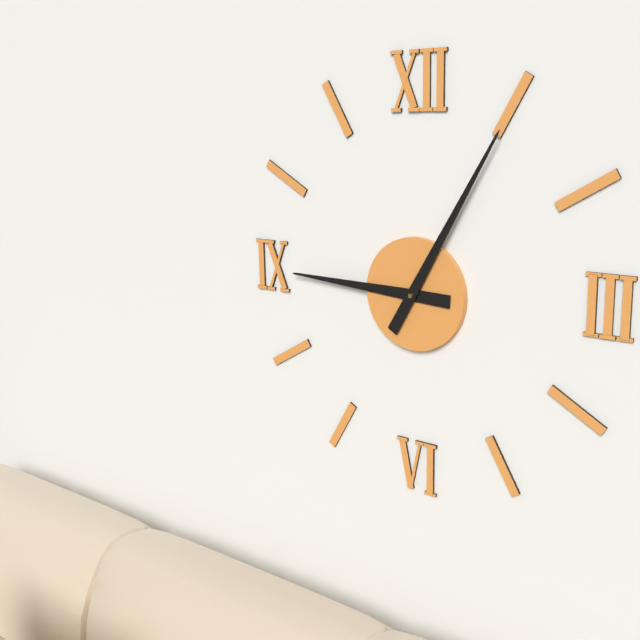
9:05
